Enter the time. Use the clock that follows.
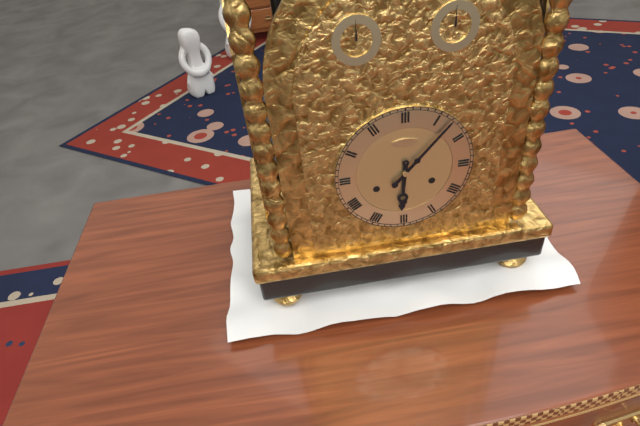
6:07
